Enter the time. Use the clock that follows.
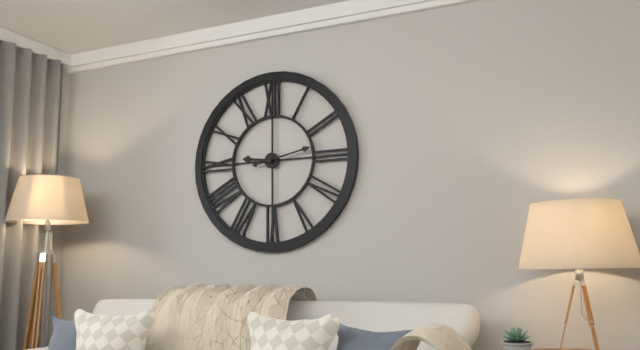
9:13
